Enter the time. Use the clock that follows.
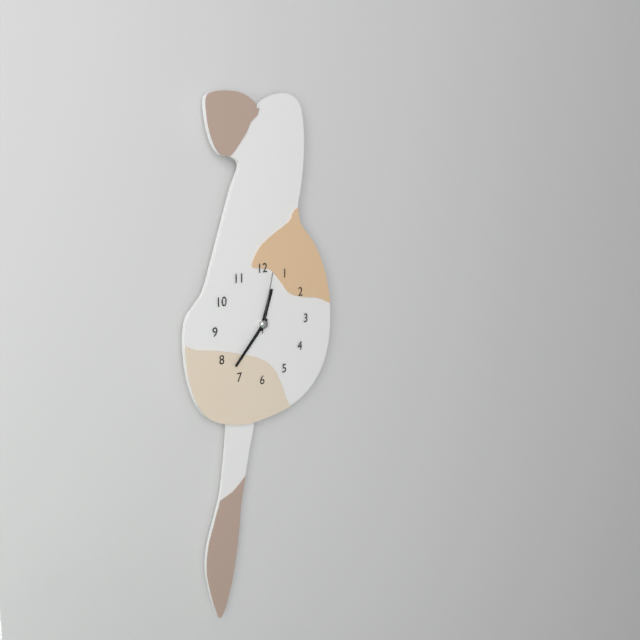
12:37:02
